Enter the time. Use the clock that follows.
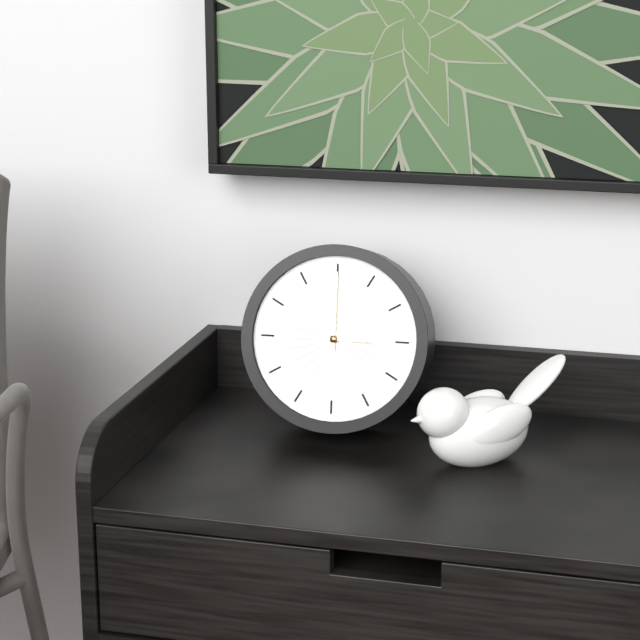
3:00
